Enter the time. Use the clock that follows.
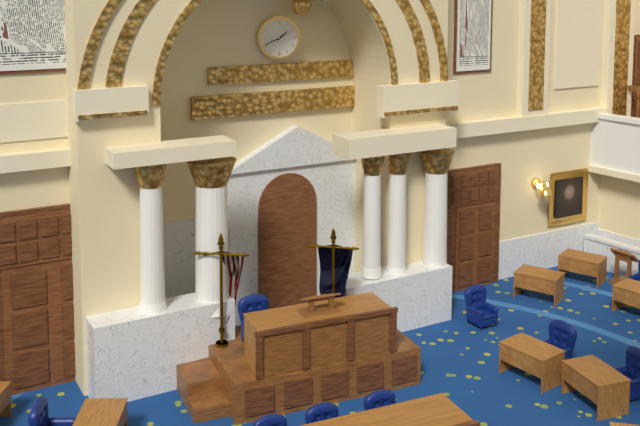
1:41
